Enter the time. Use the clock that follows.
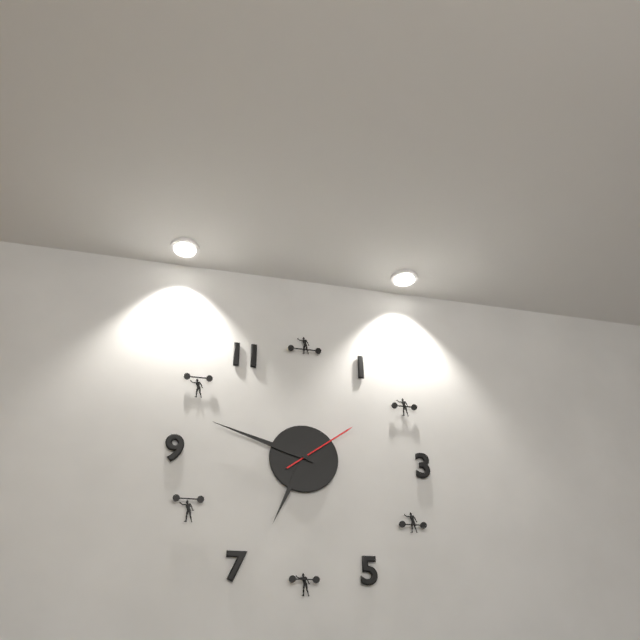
6:48:09
